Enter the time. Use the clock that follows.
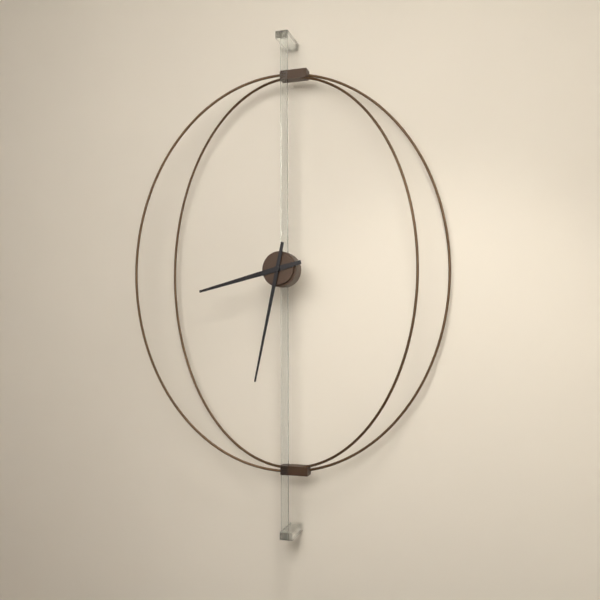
8:32
